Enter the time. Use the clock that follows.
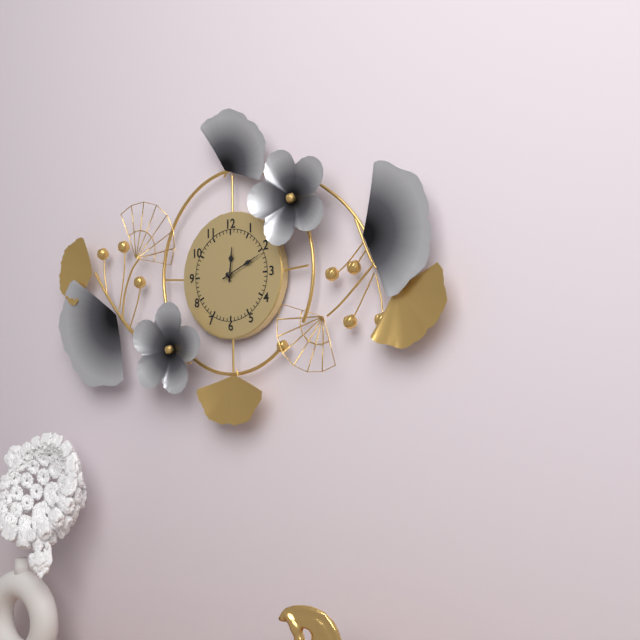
12:11
